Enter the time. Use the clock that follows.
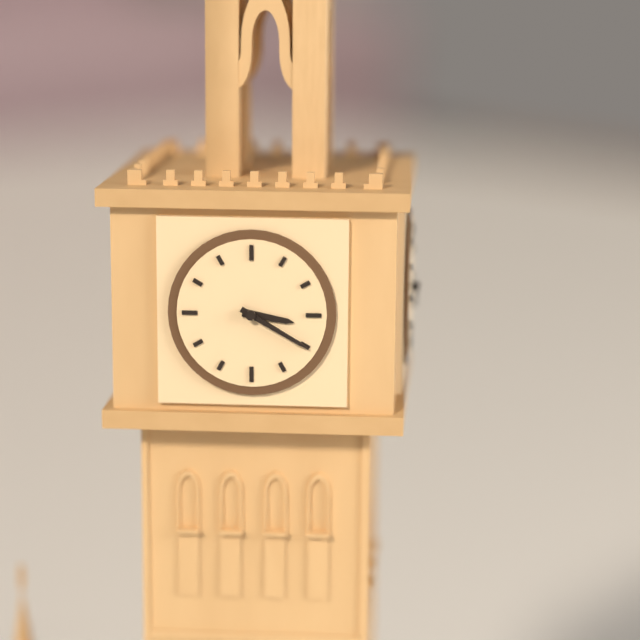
3:20
